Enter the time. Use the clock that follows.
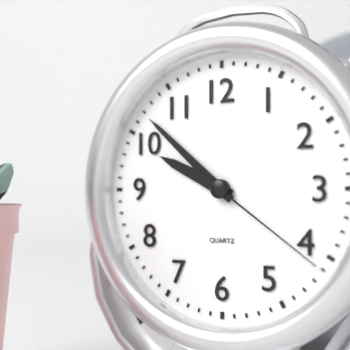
9:52:21
